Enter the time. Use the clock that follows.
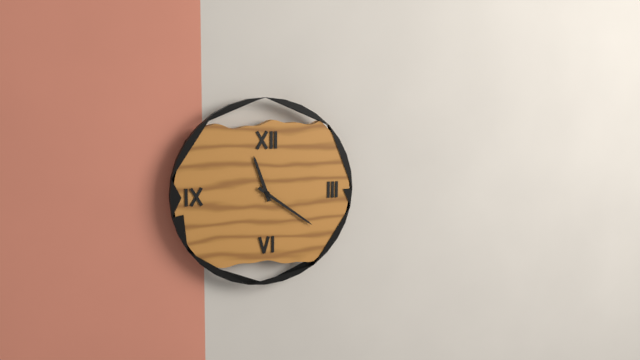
11:21
